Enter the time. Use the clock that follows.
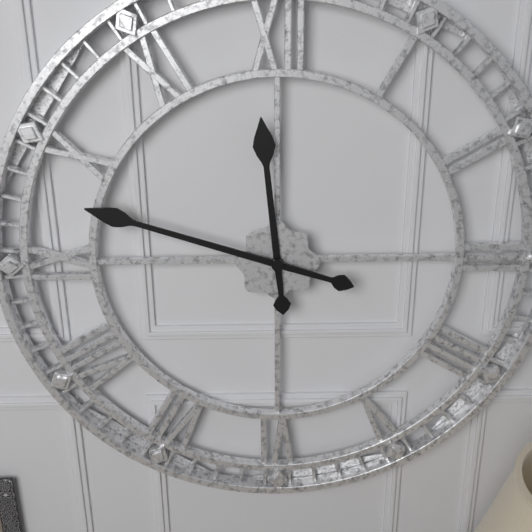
11:48
